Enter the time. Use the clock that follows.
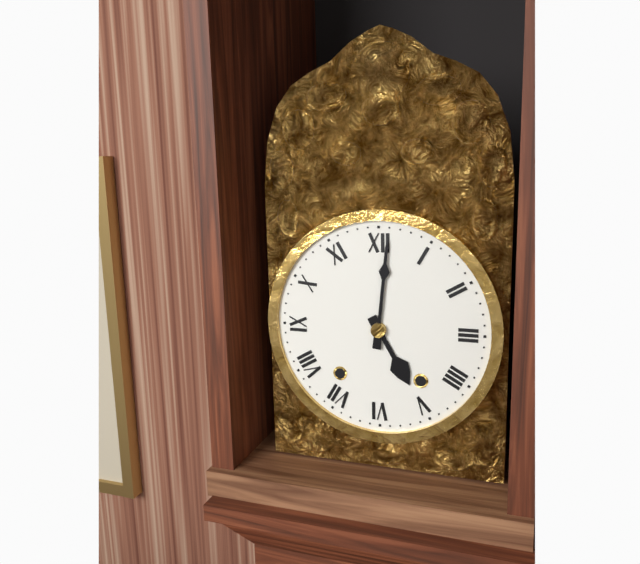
5:01
